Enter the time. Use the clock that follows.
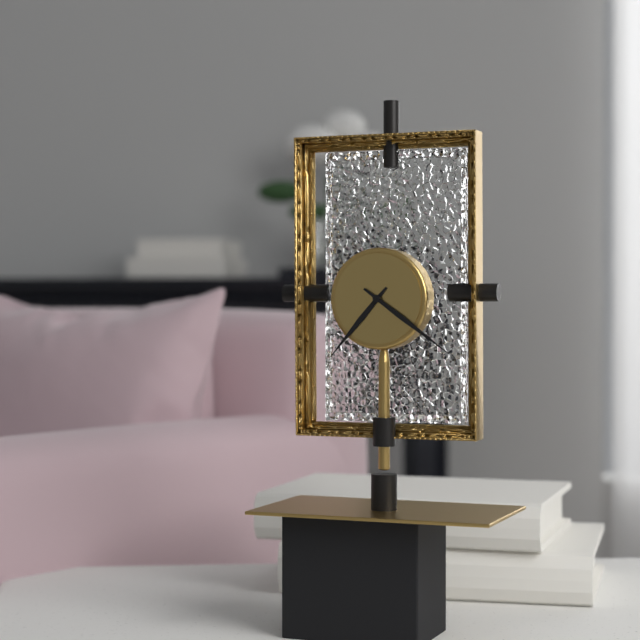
7:21
